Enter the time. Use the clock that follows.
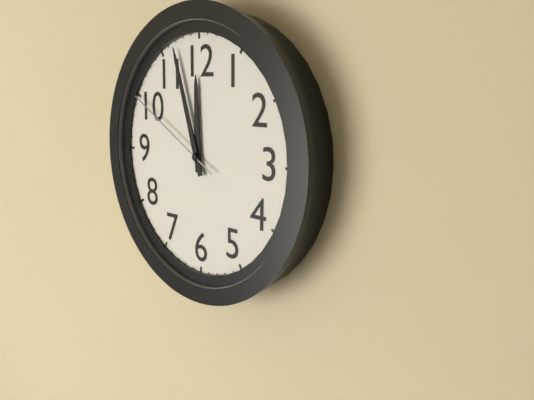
11:57:50
